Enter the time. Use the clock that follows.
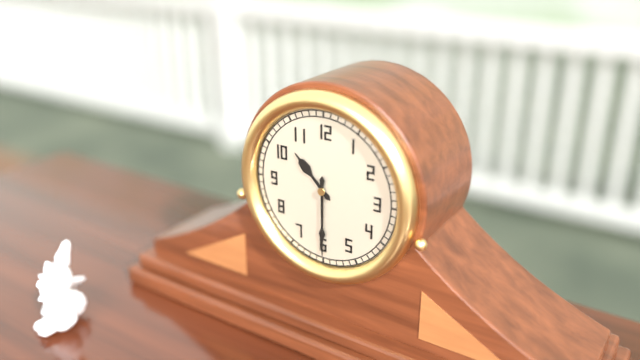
10:30
